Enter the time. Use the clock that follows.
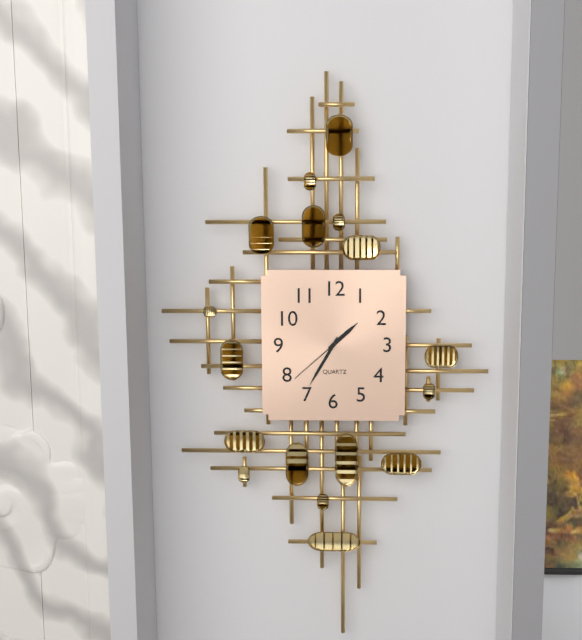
1:35:38
